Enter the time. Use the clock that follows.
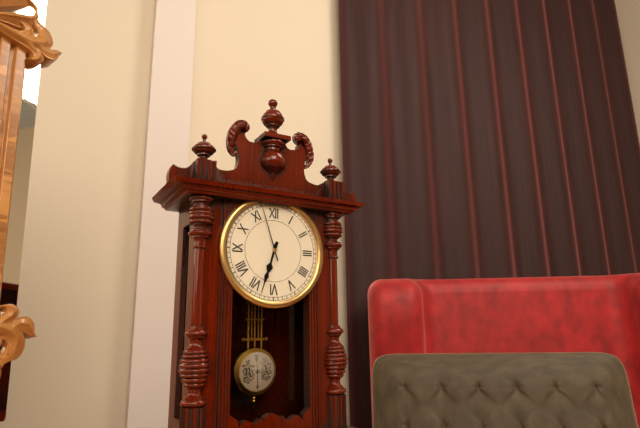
6:33:57
